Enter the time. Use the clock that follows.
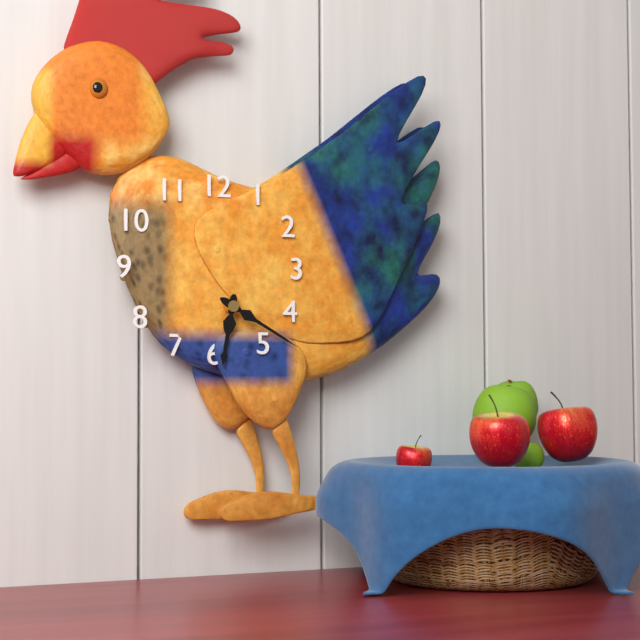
6:20
